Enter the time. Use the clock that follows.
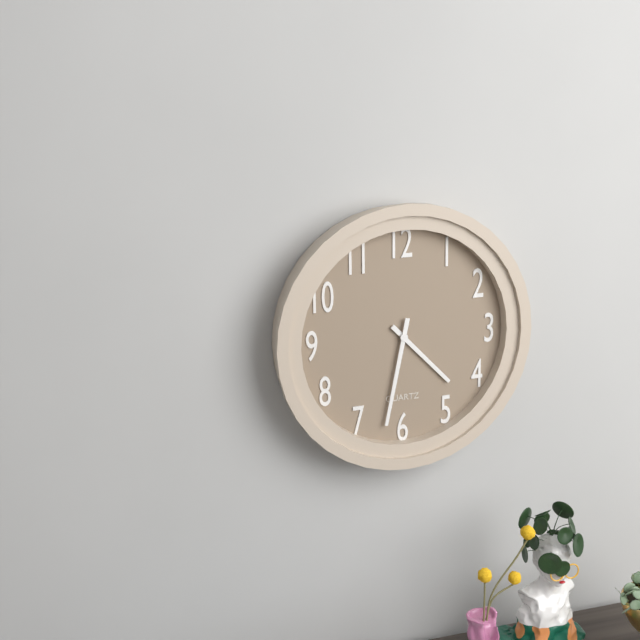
4:32
